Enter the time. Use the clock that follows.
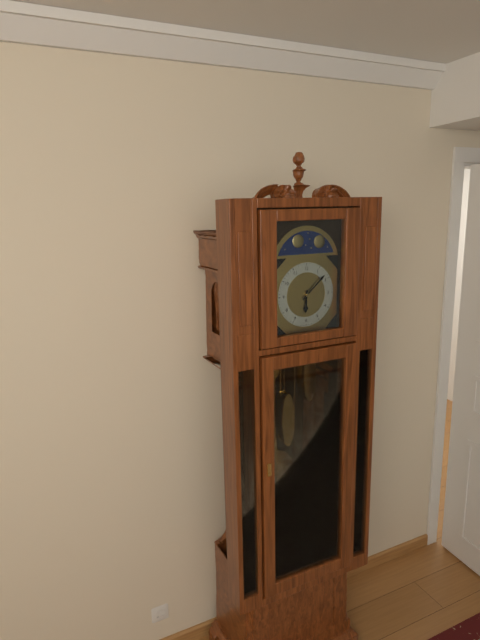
6:08
